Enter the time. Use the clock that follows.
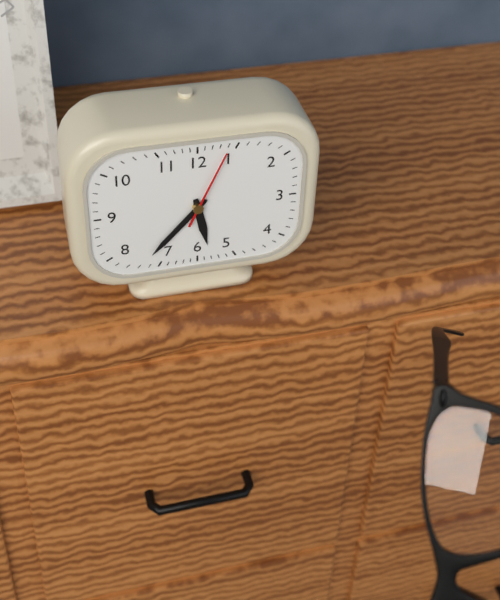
5:37:04
